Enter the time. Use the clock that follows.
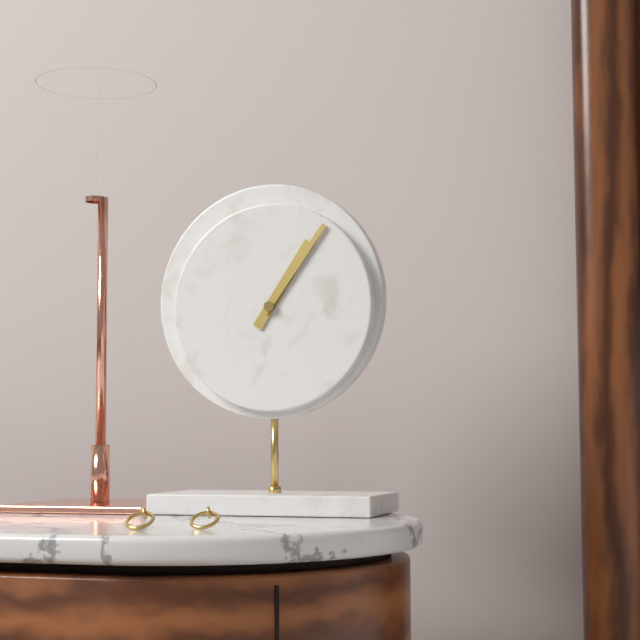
1:06
